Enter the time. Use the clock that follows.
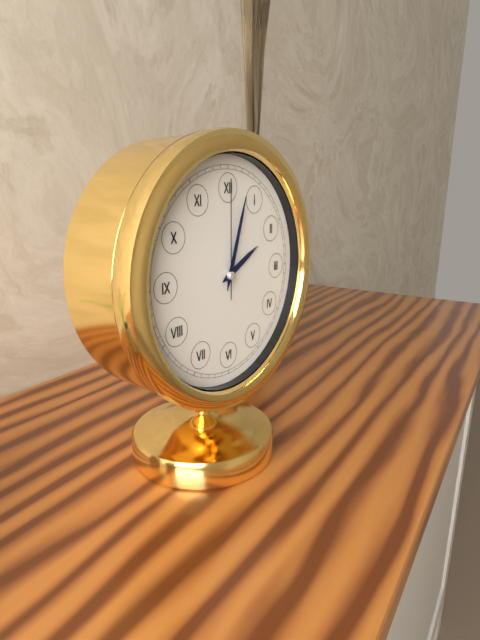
2:03:00
